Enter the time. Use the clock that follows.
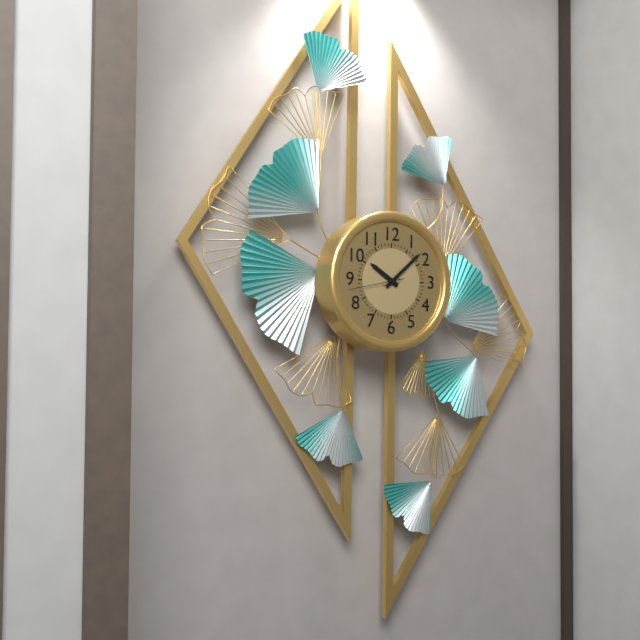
10:08:43
